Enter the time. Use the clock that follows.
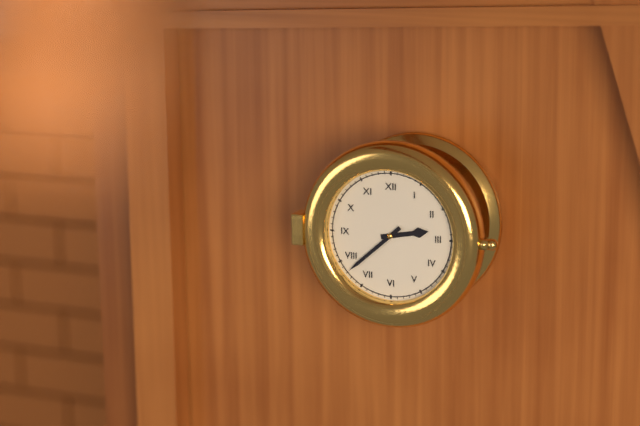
2:38
